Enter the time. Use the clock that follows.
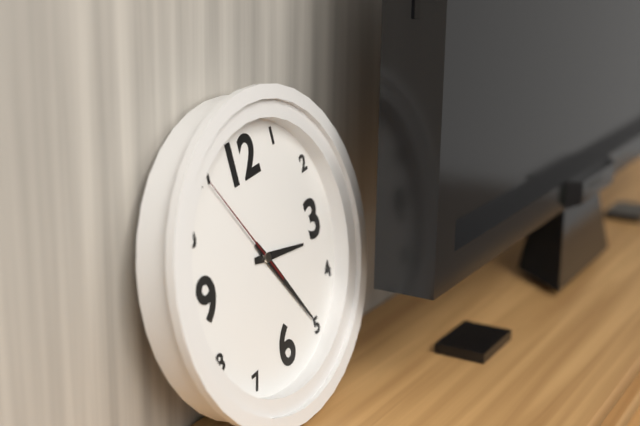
3:25:55
